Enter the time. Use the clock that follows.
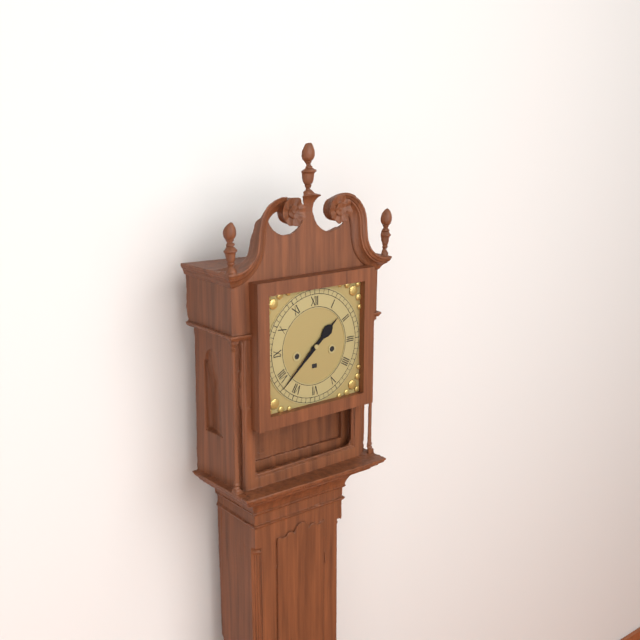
1:38
